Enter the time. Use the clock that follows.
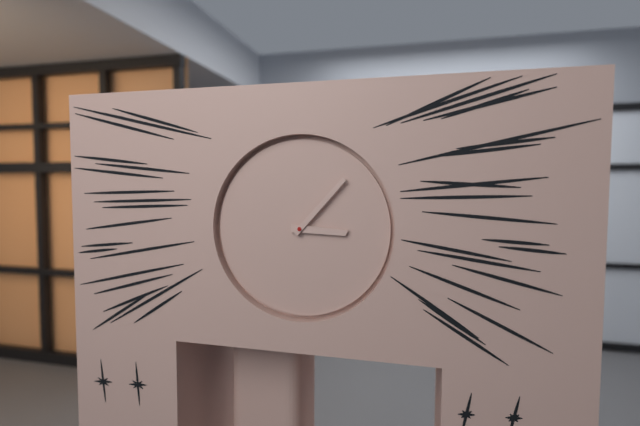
3:07
